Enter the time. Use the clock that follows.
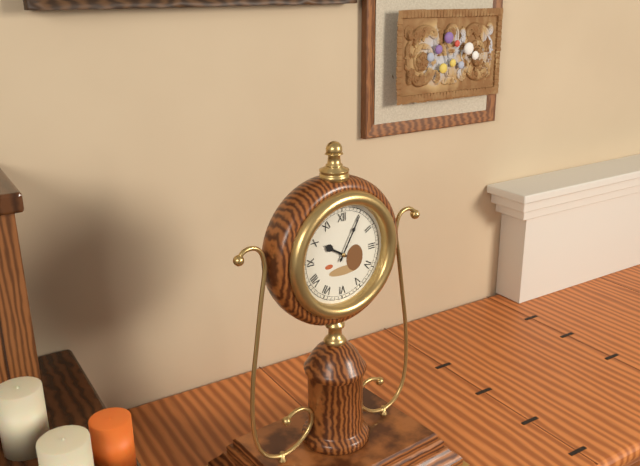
10:05
